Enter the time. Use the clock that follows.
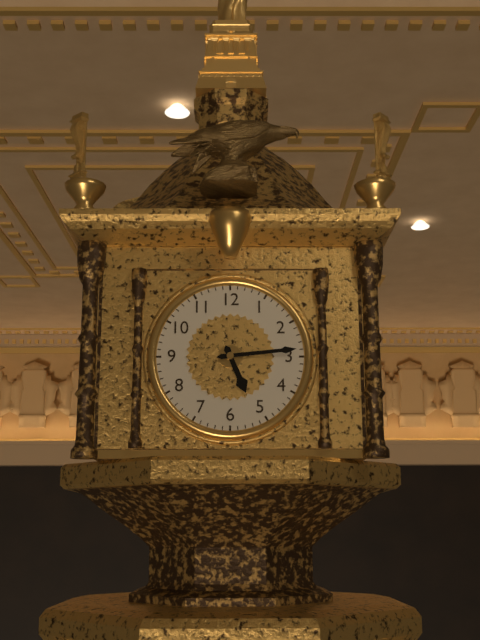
5:14
